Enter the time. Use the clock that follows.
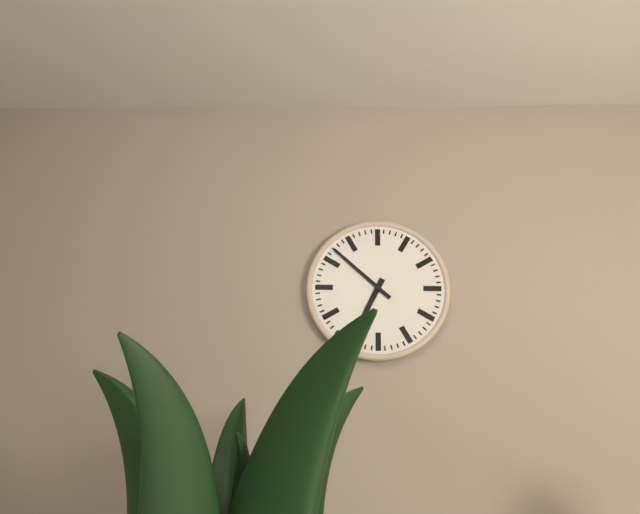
6:52
